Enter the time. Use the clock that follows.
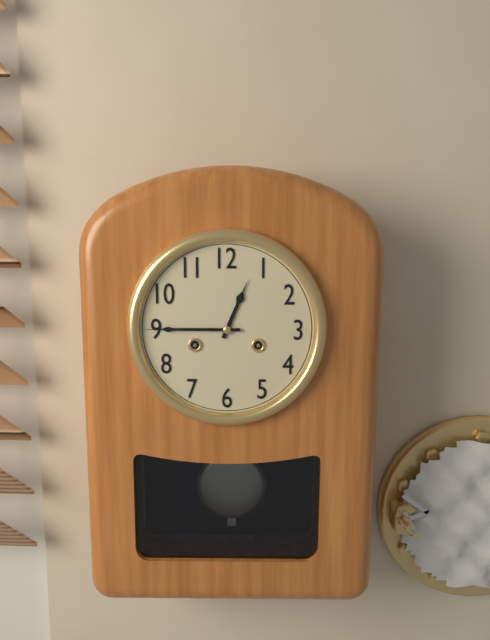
12:45
